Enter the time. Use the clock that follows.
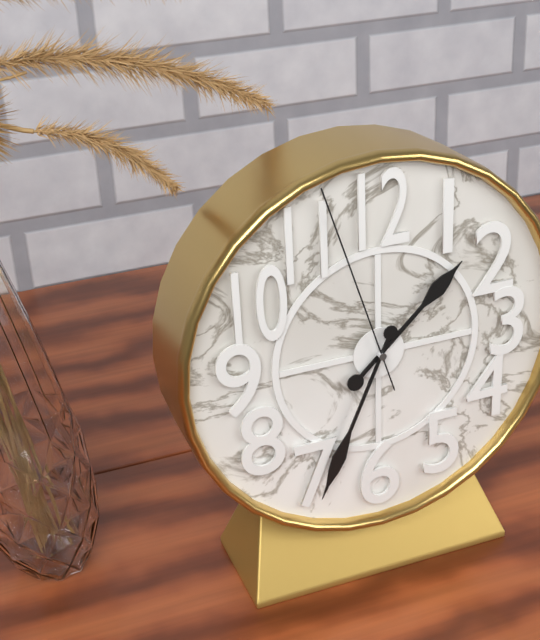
1:34:57
